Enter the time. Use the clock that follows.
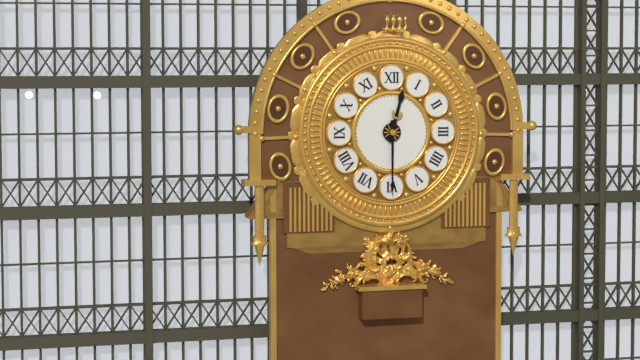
12:30
